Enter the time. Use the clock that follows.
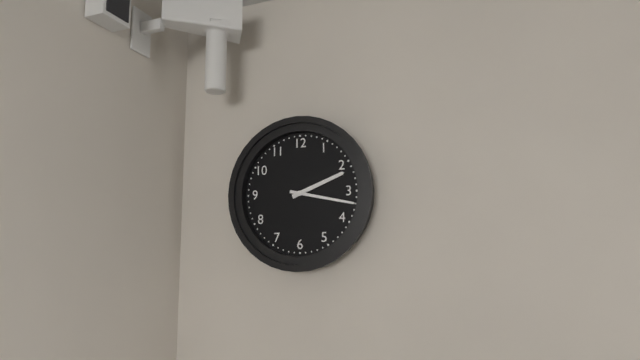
2:17
